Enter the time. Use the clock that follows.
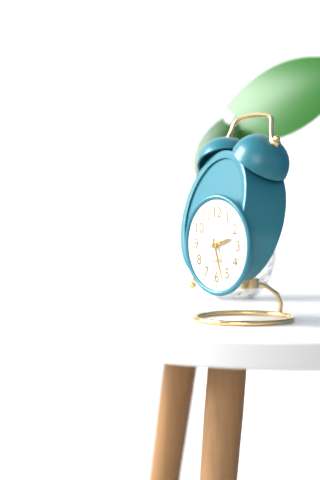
2:27
